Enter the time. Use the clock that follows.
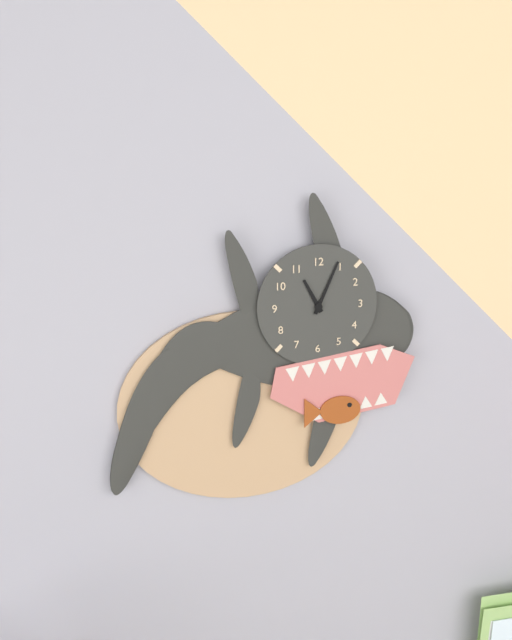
11:04
